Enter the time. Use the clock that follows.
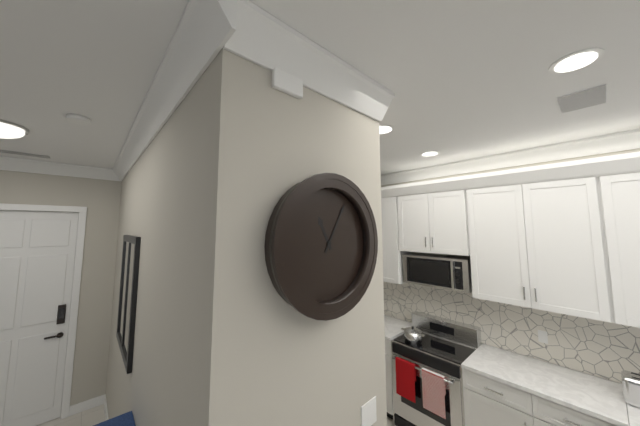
11:05
